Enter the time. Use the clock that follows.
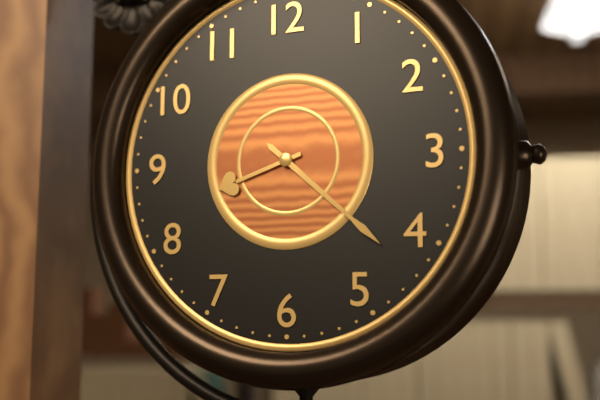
8:22
